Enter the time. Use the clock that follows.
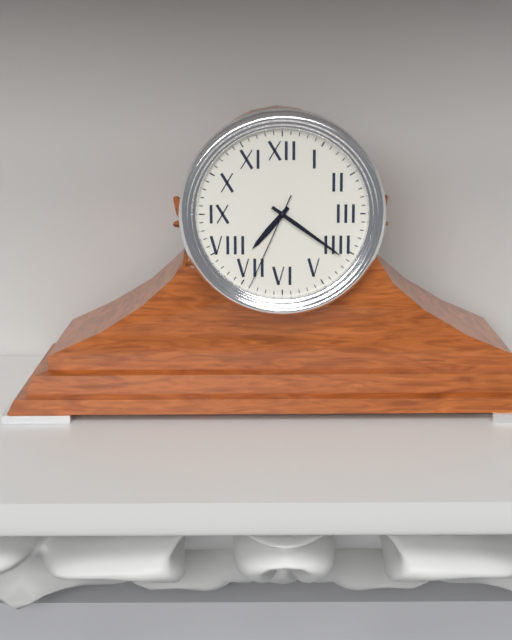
7:21:34
